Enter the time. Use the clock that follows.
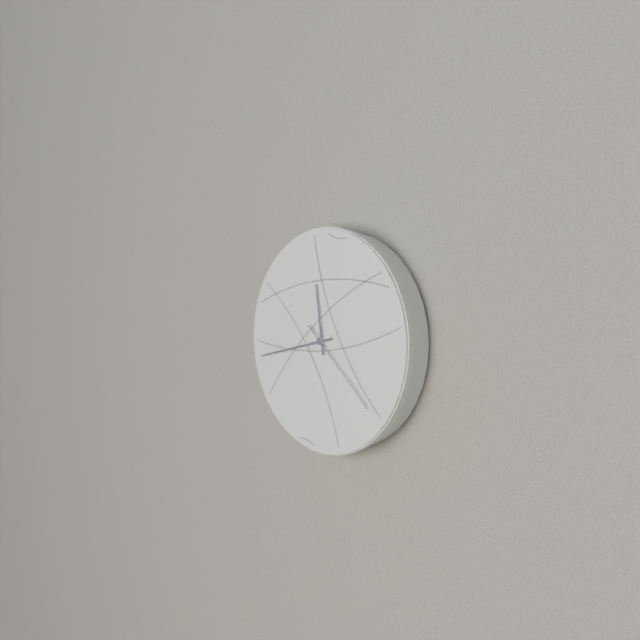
11:43:22
